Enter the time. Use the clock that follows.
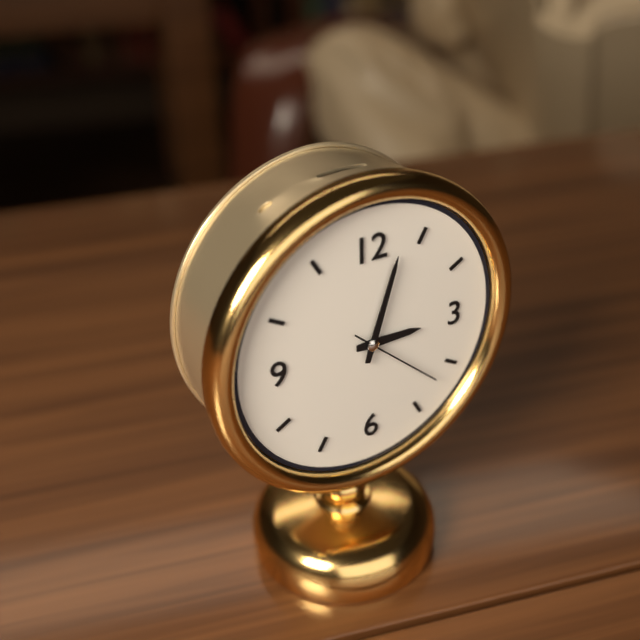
3:03:22
